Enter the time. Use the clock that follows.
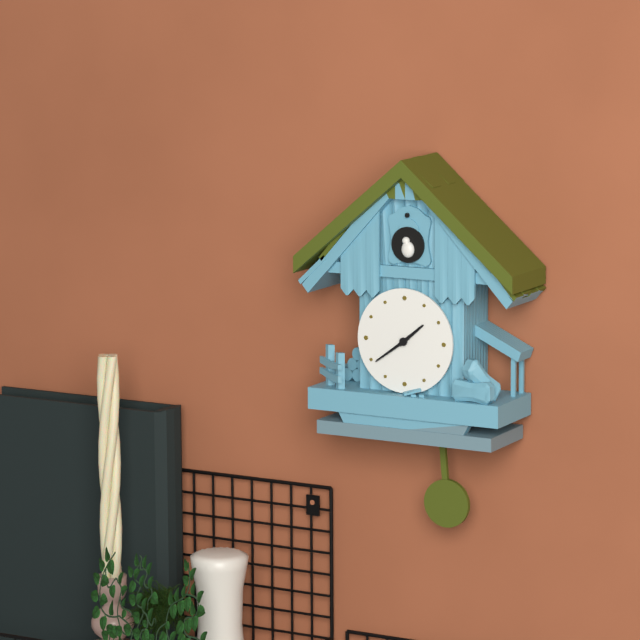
1:39
